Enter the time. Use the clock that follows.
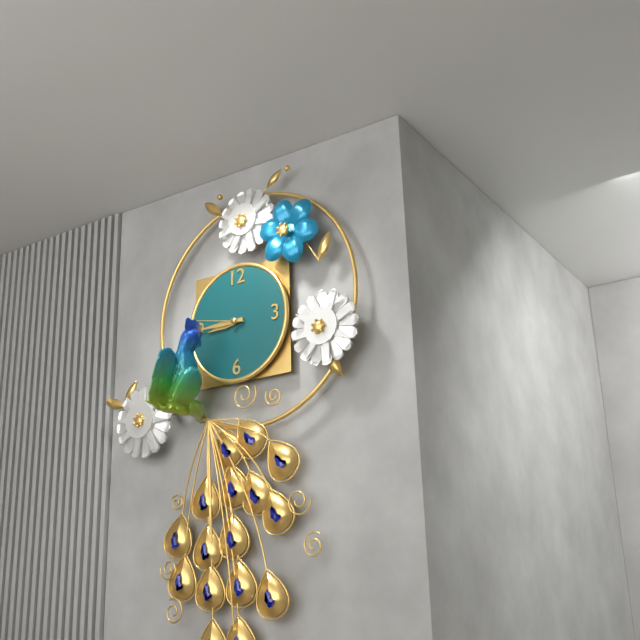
8:45
